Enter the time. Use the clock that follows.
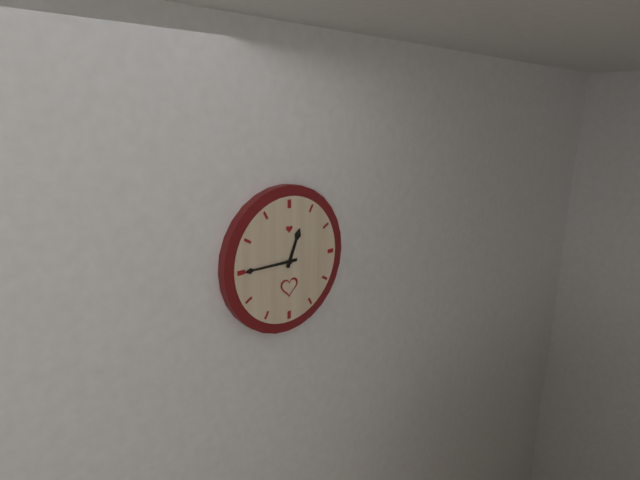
12:45
